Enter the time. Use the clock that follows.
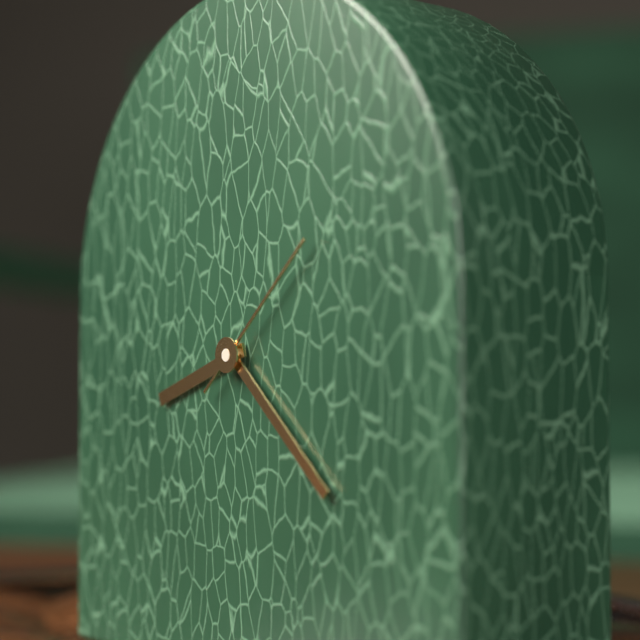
8:22:08
